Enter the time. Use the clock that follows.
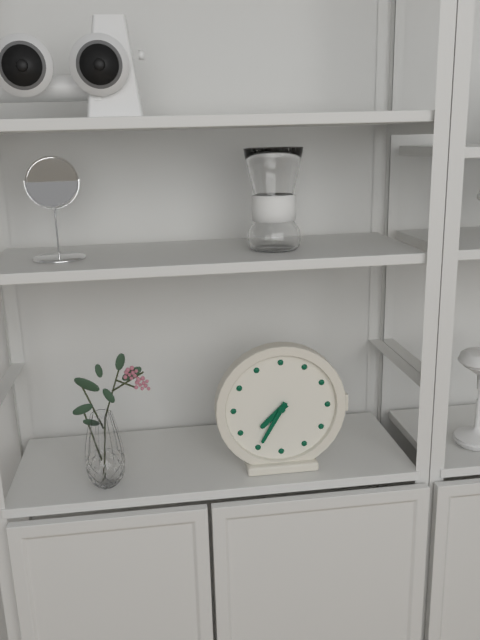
7:35
